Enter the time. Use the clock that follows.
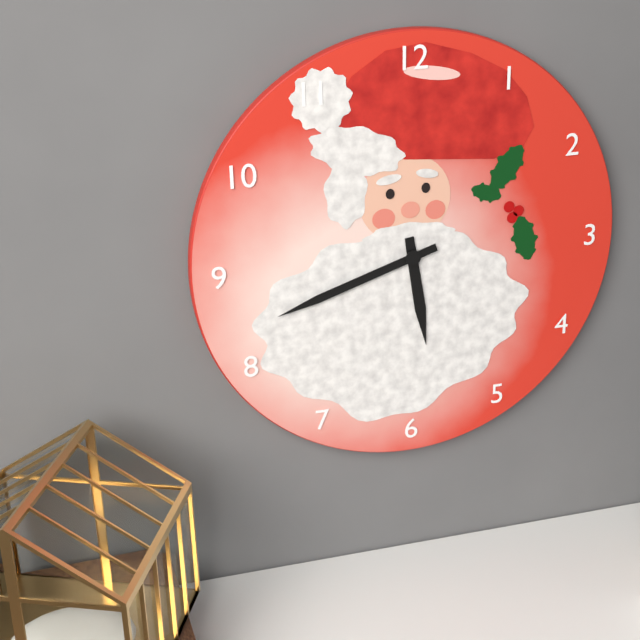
5:42
